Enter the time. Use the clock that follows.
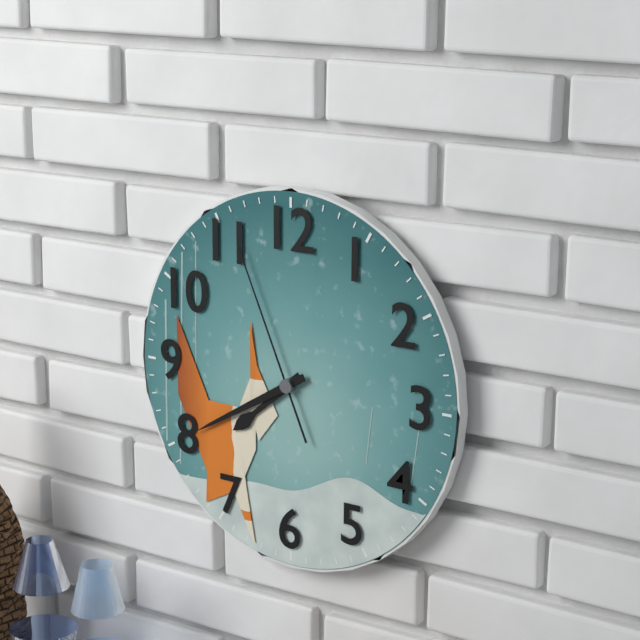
7:40:56
